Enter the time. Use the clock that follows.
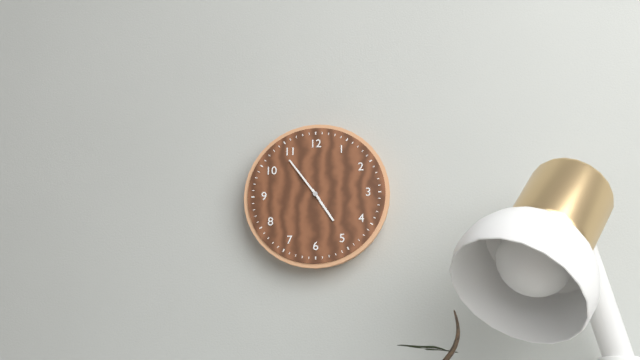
4:54
